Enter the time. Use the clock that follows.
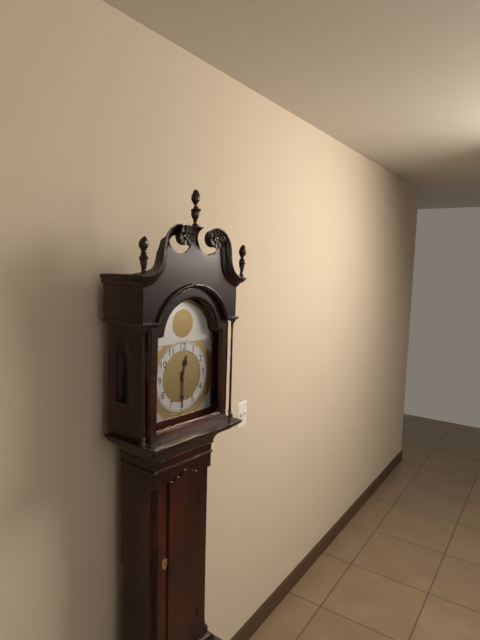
12:30
